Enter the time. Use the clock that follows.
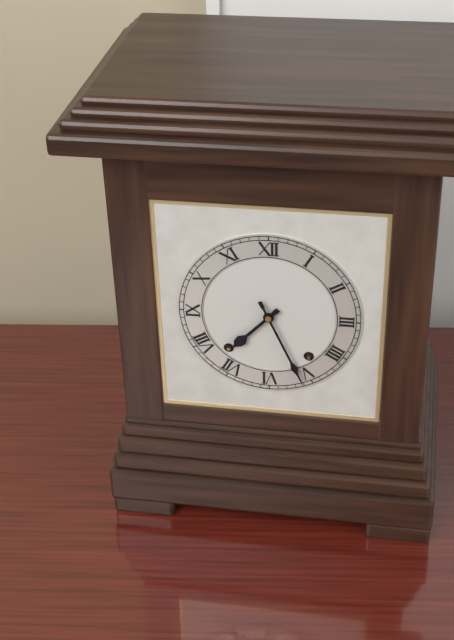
7:26
